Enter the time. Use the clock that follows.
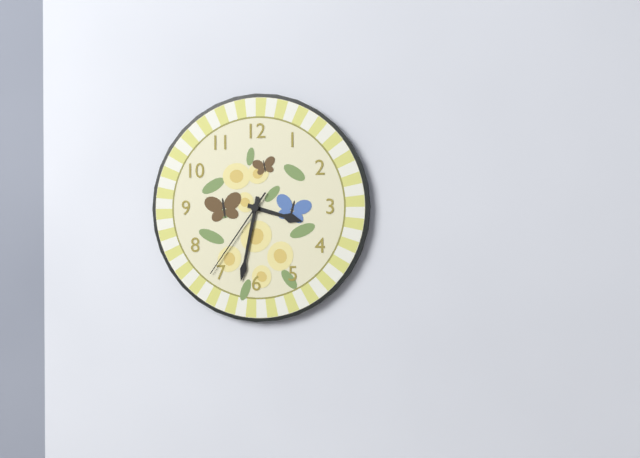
3:32:36
